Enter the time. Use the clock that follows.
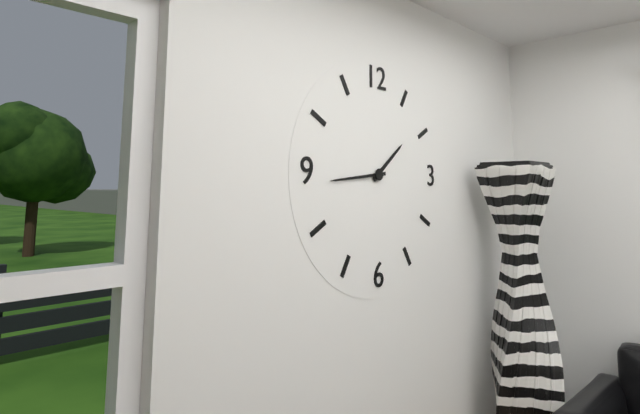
1:44
